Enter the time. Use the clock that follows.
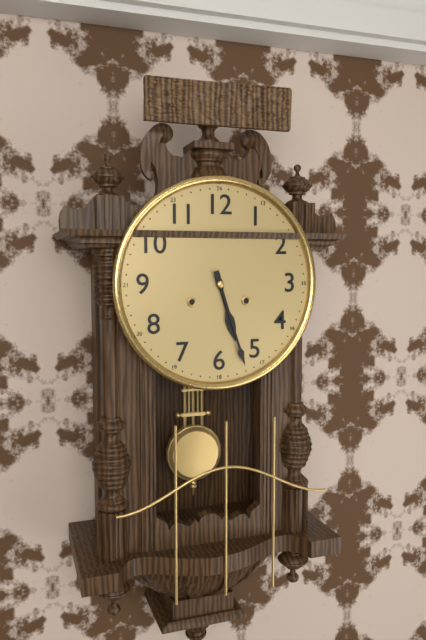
5:27
